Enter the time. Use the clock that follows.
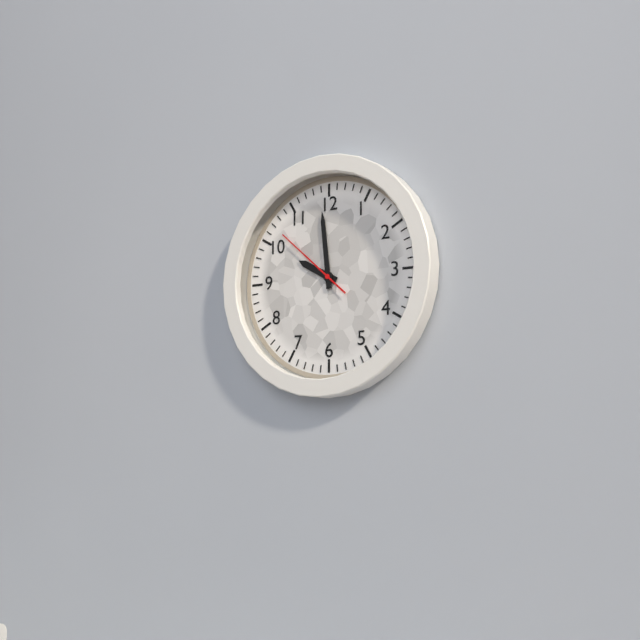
9:59:52
